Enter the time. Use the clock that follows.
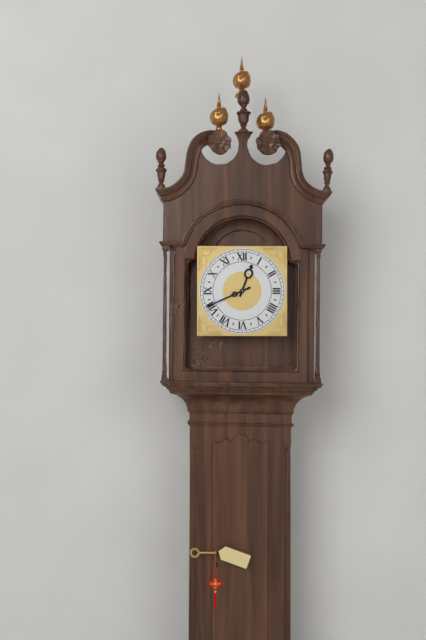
12:41
